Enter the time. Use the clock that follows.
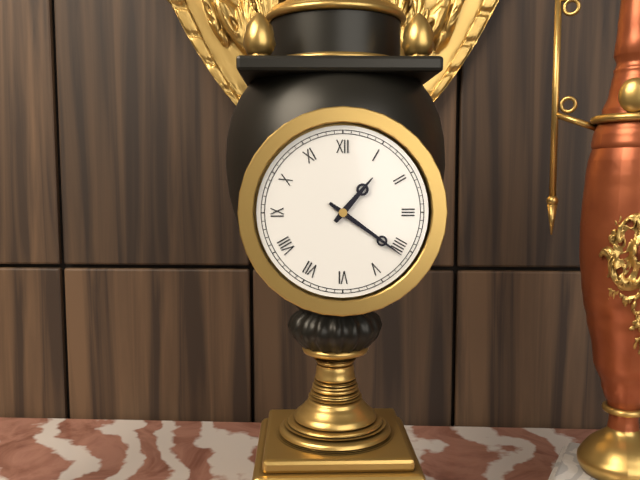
1:21
